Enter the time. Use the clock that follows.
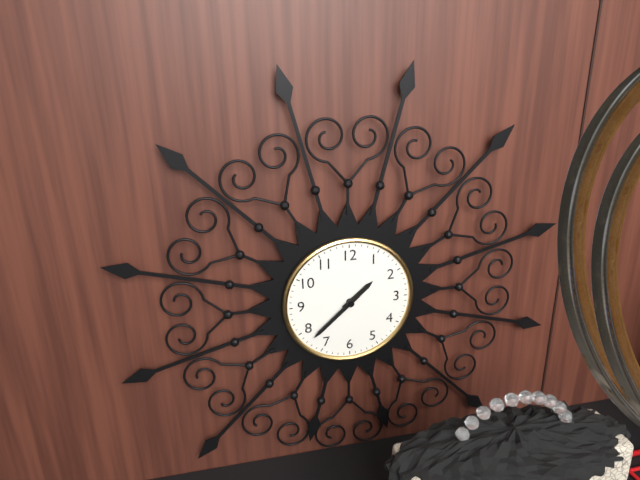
1:38
